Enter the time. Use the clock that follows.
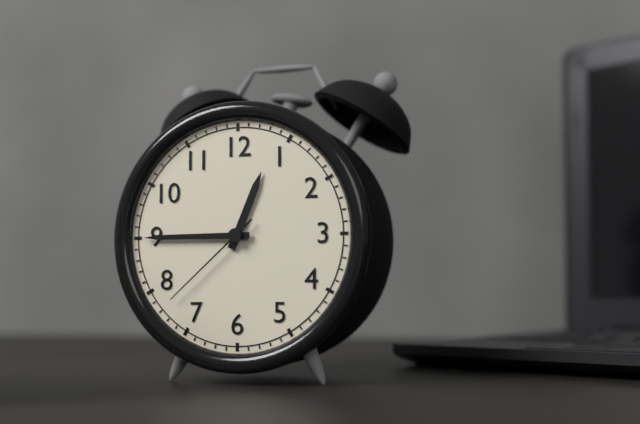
12:45:38
